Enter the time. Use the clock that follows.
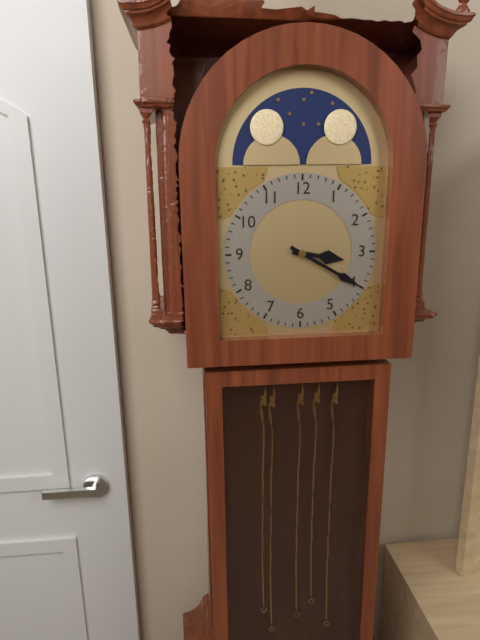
3:20
